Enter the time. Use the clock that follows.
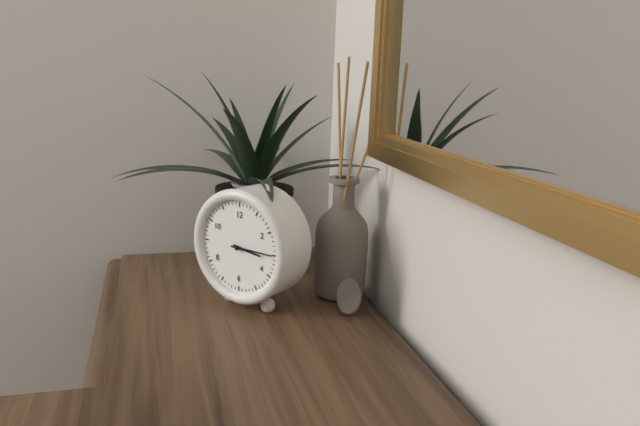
3:15
